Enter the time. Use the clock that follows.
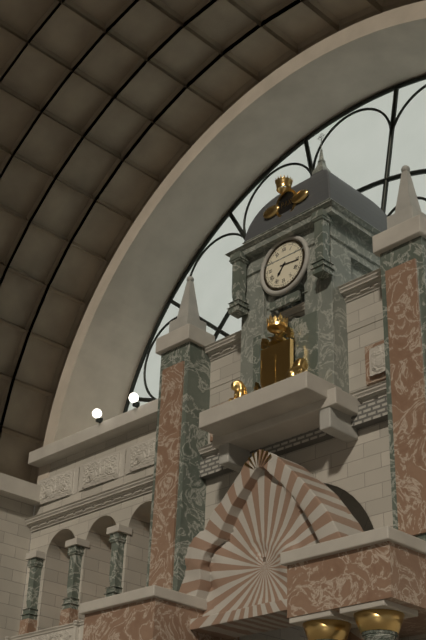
7:16
